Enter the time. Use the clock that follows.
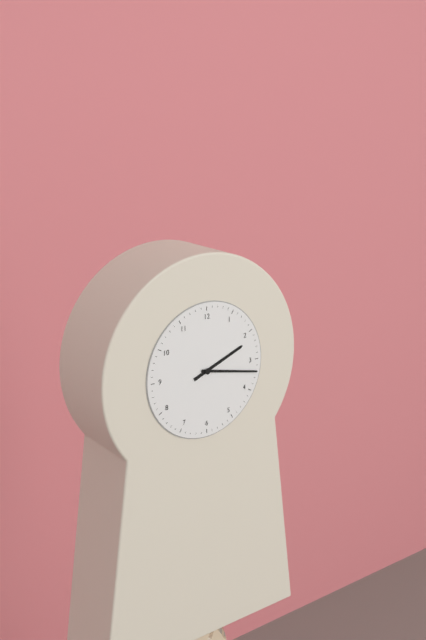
2:17
